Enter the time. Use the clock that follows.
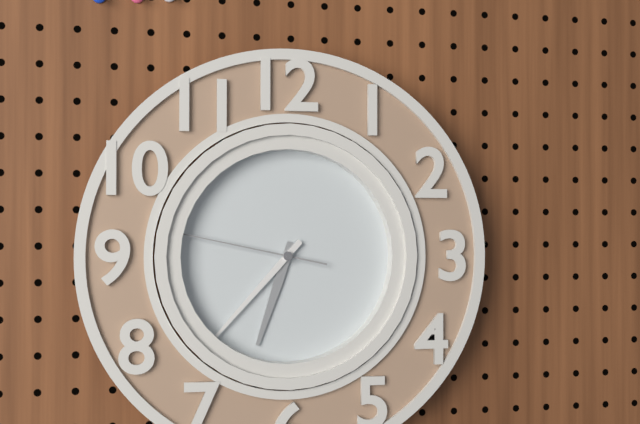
6:37:47
